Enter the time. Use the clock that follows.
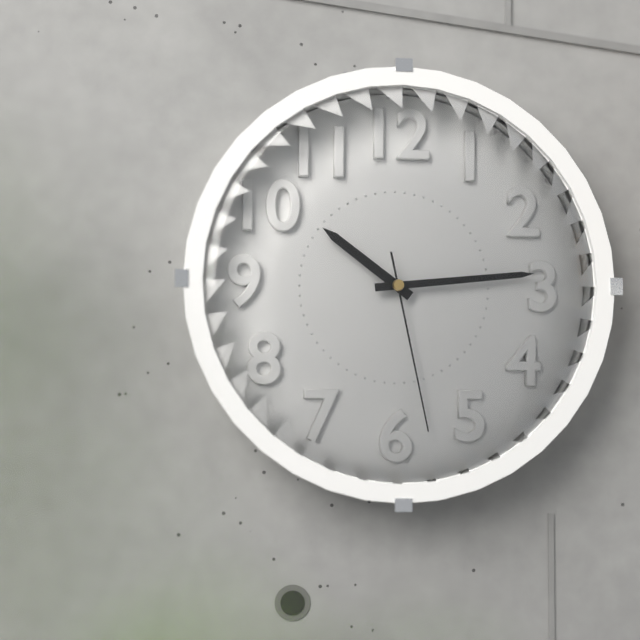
10:14:28
